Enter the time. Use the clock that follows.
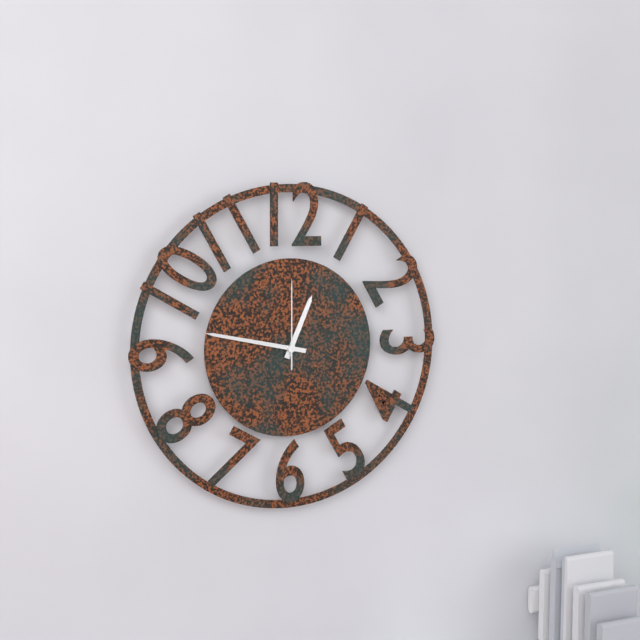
12:47:00
